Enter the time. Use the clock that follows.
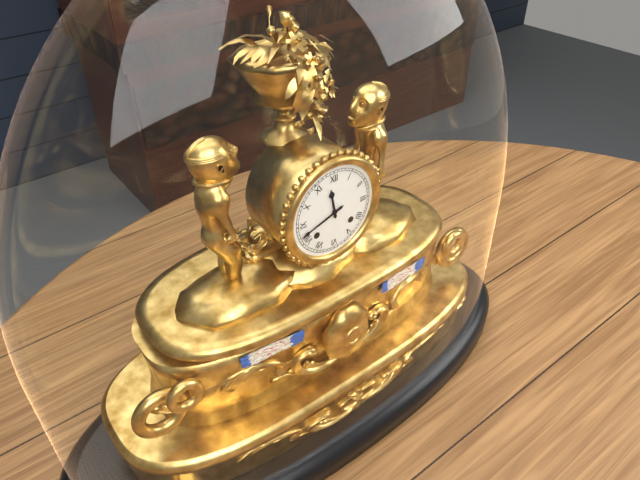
11:42
